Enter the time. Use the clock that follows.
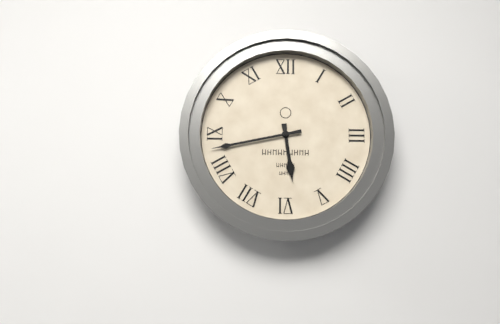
5:43
